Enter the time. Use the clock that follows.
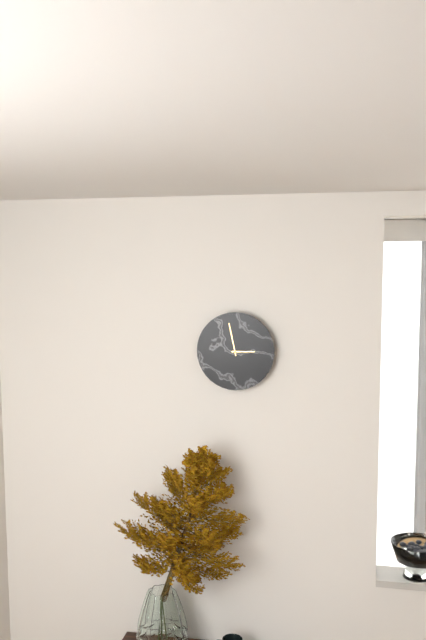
2:58
